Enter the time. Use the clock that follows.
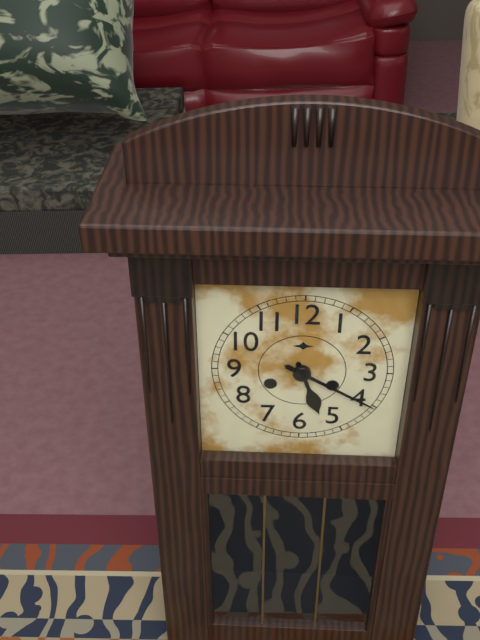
5:20
